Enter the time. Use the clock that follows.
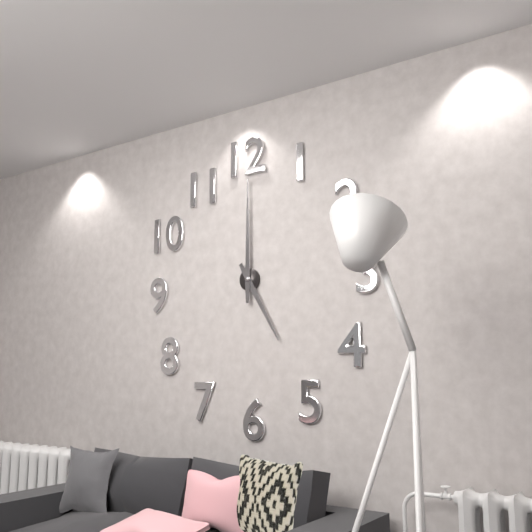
5:00
